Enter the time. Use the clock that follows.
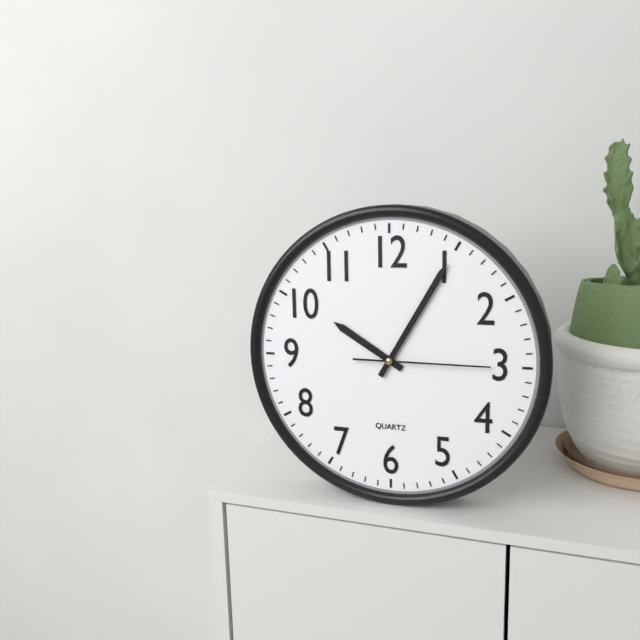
10:05:15
